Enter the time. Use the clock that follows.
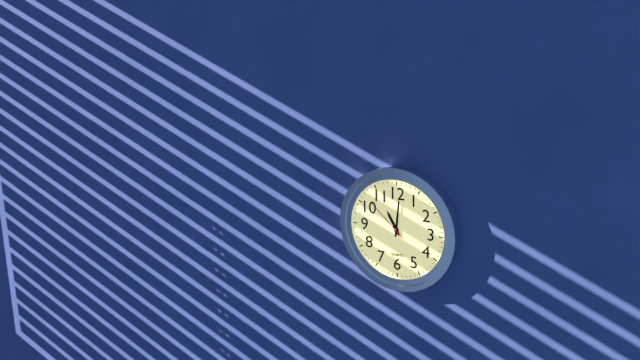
11:01:52
